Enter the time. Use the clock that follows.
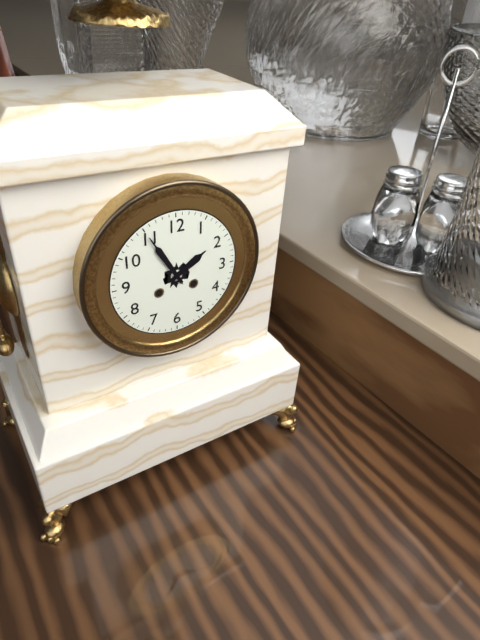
1:55
